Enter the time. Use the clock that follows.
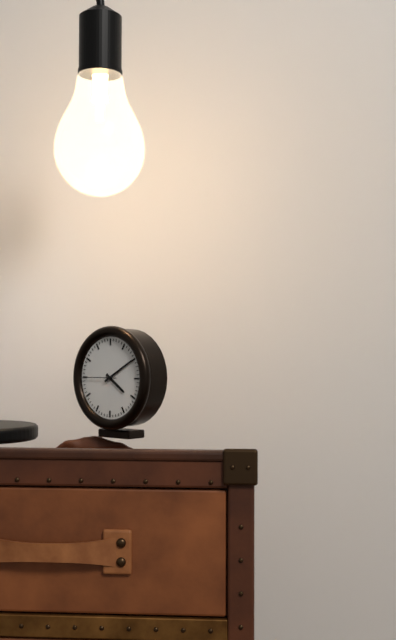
4:10
